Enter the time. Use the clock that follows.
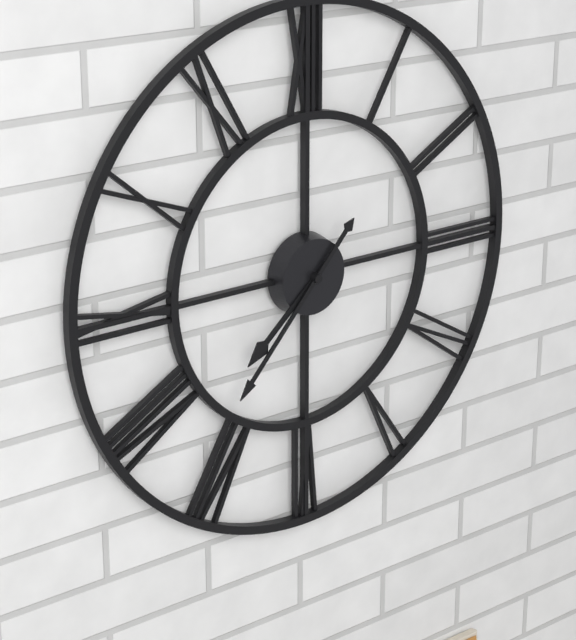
7:37
